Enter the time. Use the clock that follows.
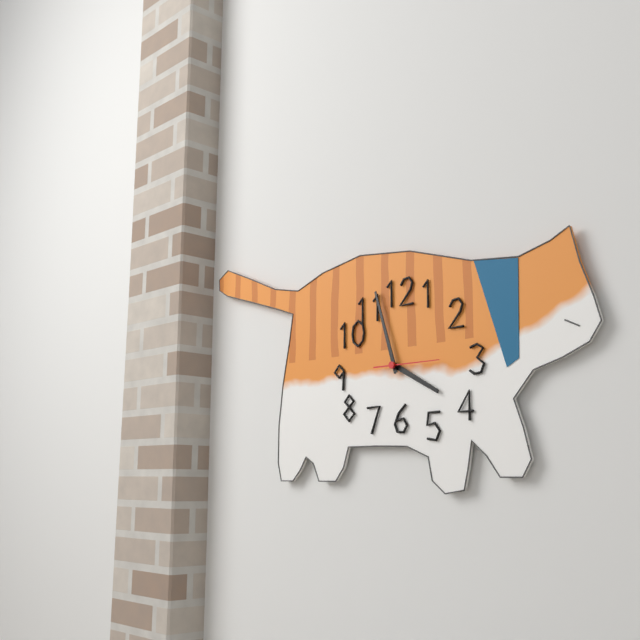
3:57:15
